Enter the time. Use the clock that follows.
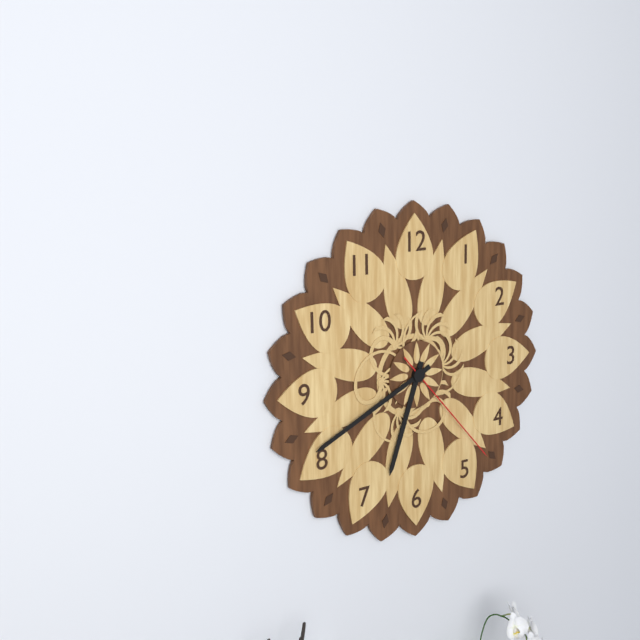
6:41:23
